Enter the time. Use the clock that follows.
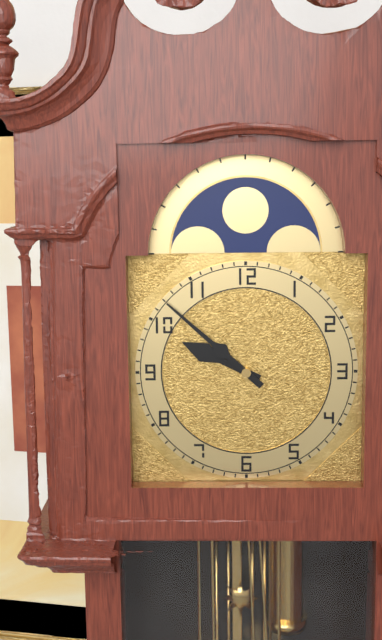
9:52
